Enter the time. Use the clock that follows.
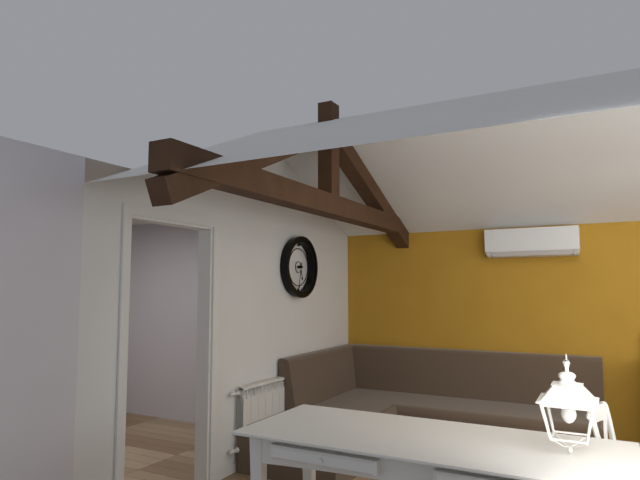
5:32
